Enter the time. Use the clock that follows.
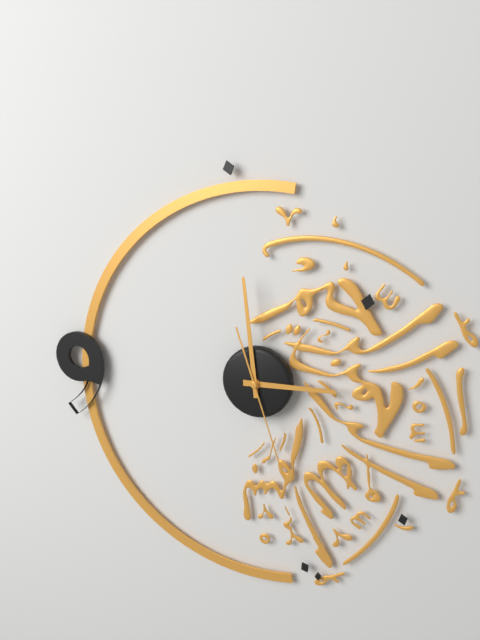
2:59:27
